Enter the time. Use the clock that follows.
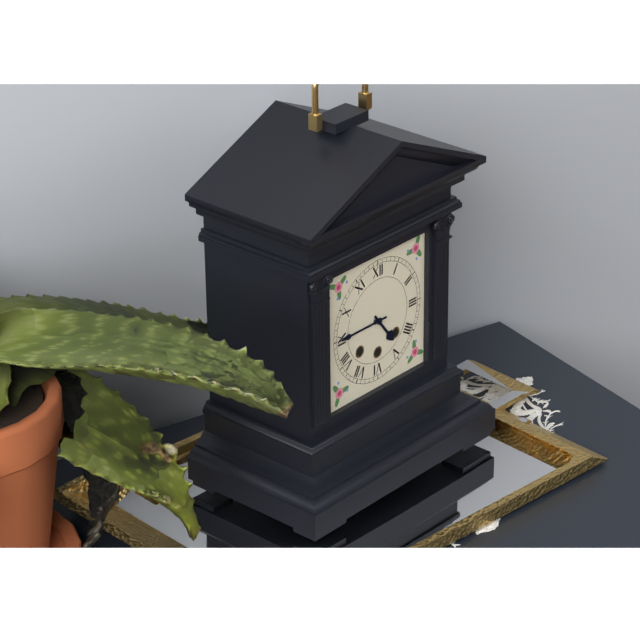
4:45
